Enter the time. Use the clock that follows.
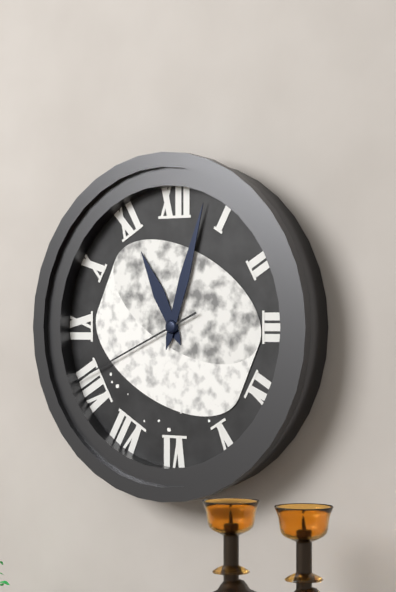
11:03:41
